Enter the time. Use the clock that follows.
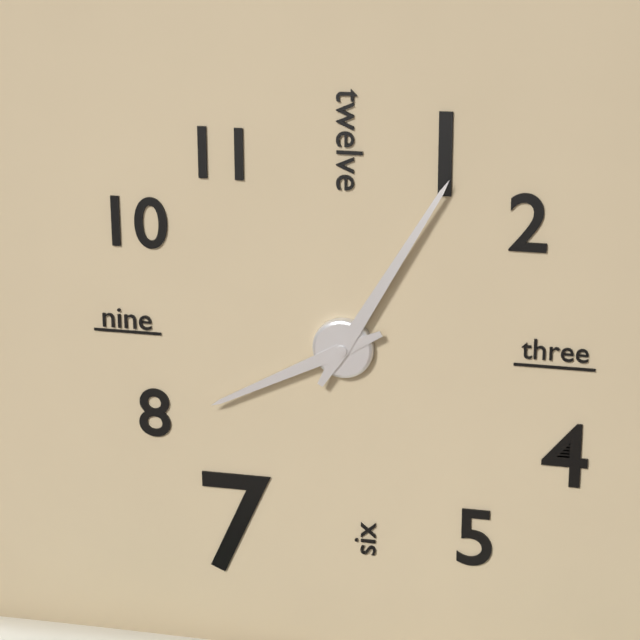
8:05
